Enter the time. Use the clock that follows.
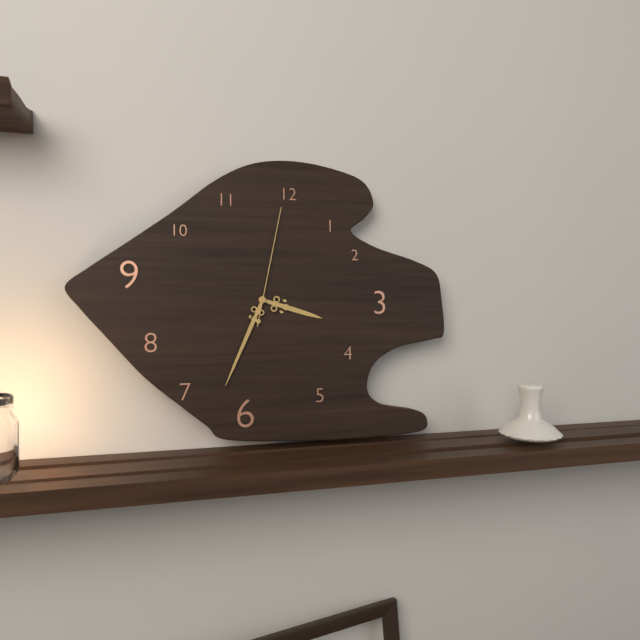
3:34:02
